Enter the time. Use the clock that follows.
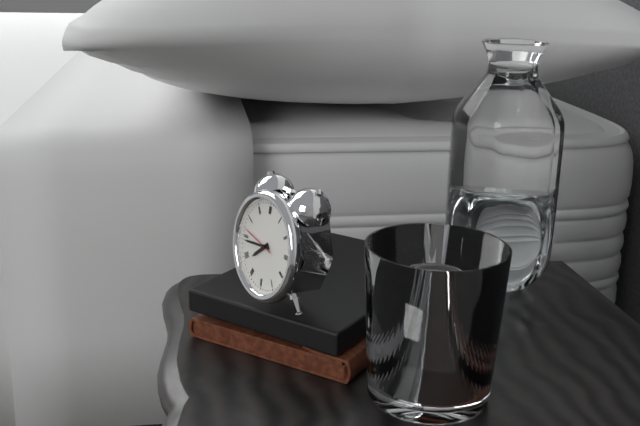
7:44
